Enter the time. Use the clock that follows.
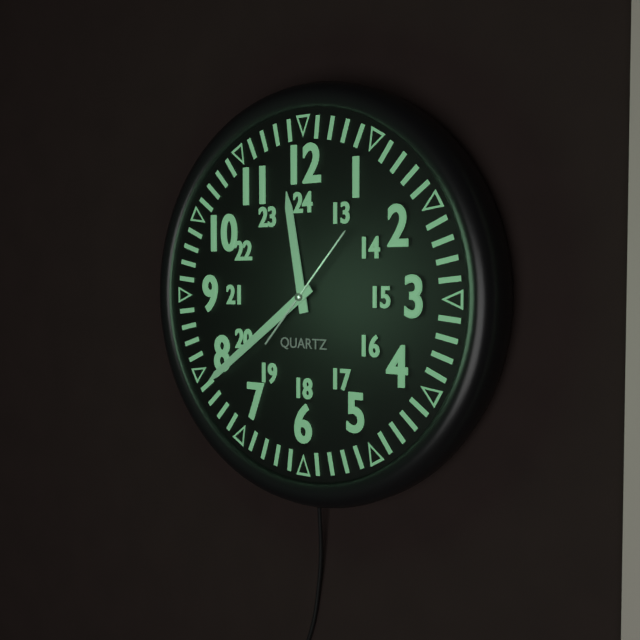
11:39:07
